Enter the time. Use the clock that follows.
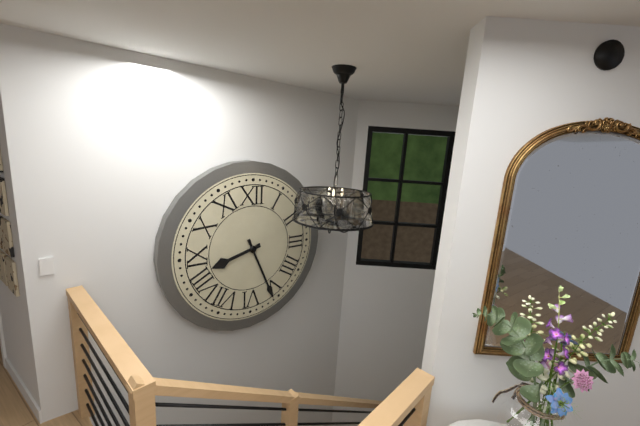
8:26
